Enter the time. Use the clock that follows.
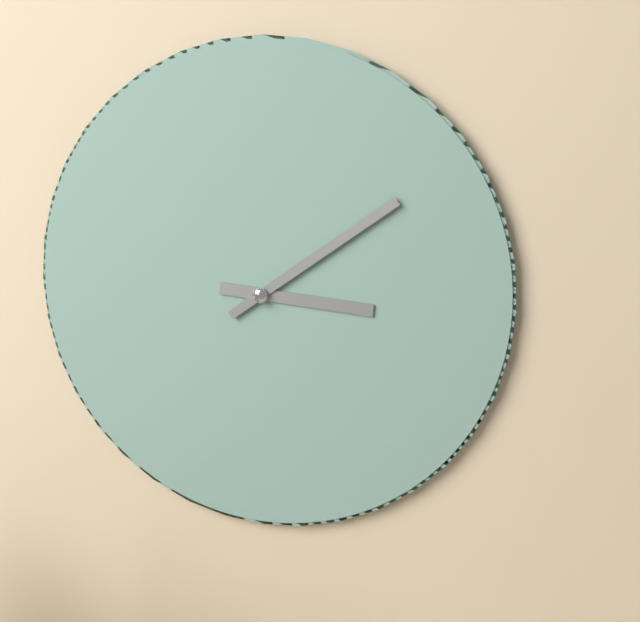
3:09
